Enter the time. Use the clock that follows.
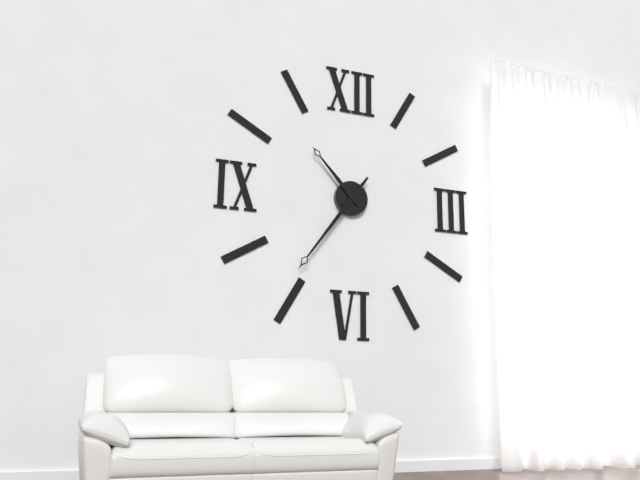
10:36
